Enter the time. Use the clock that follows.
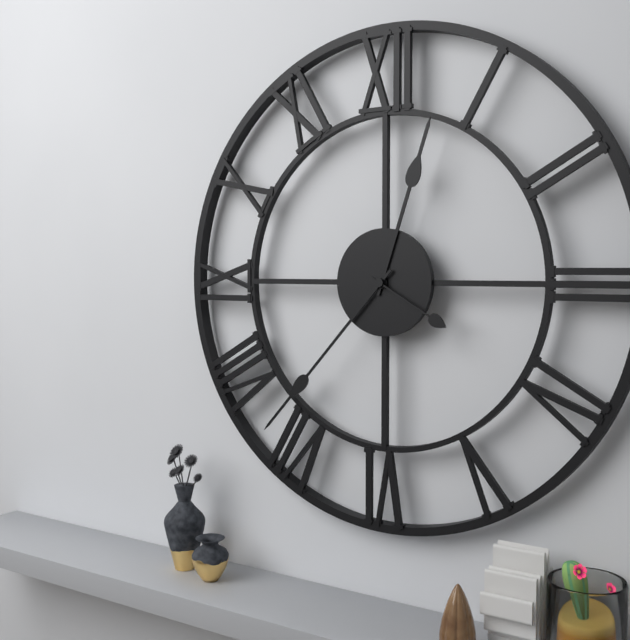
12:37:20
